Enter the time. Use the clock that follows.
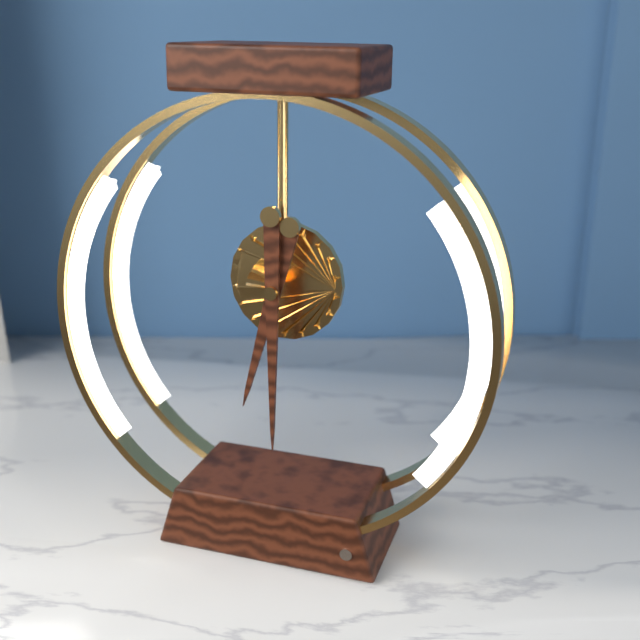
6:30
